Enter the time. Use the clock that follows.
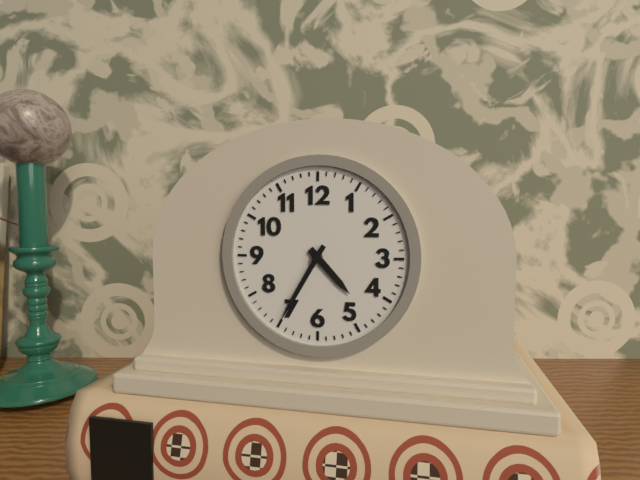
4:35
